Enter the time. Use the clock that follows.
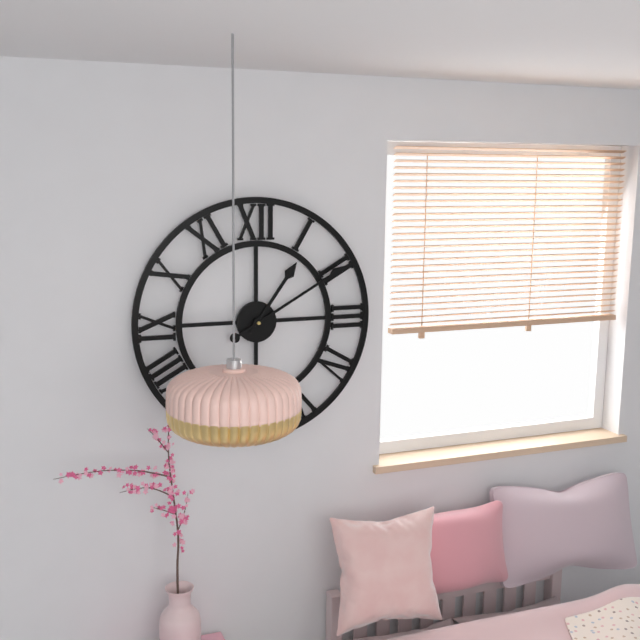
1:10
